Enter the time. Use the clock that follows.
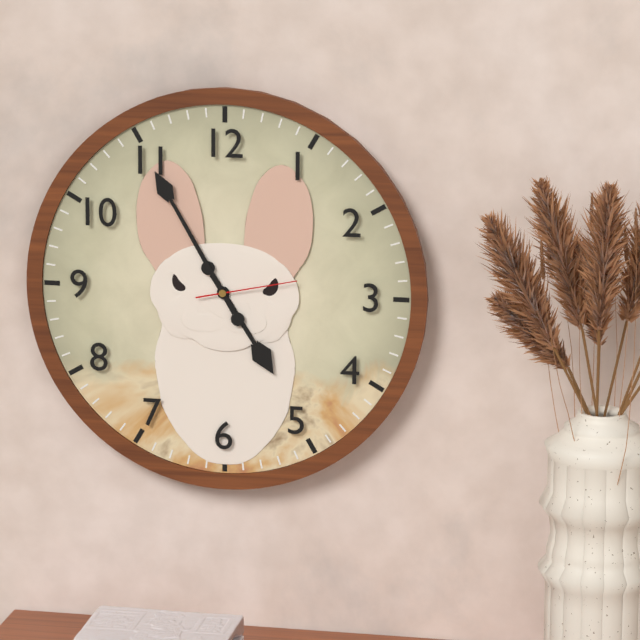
4:55:13
